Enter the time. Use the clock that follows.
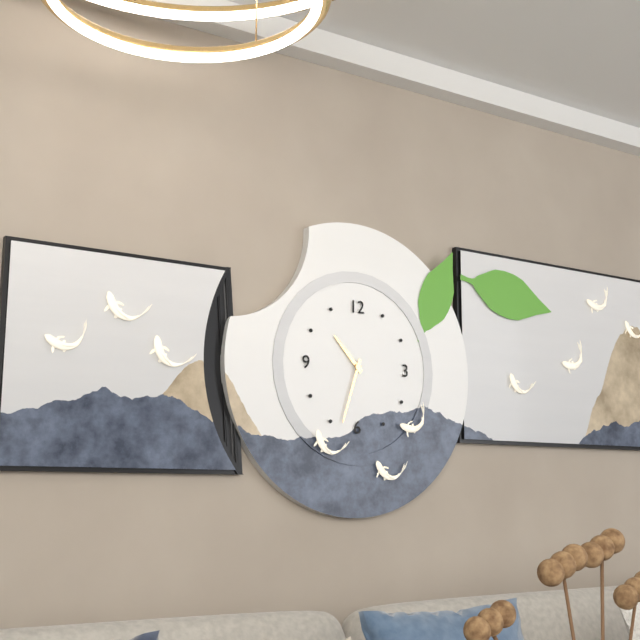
10:33
